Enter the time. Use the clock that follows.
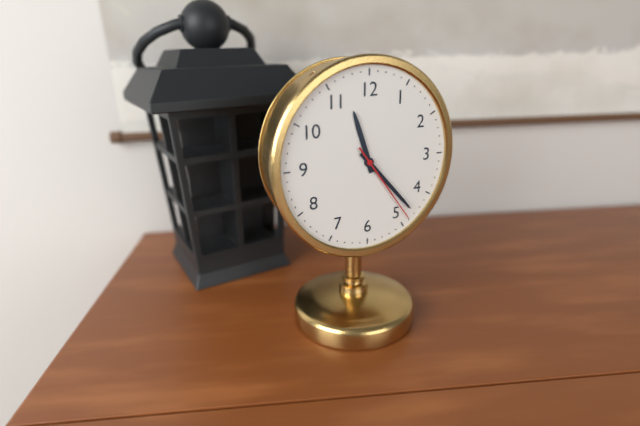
11:23:24
